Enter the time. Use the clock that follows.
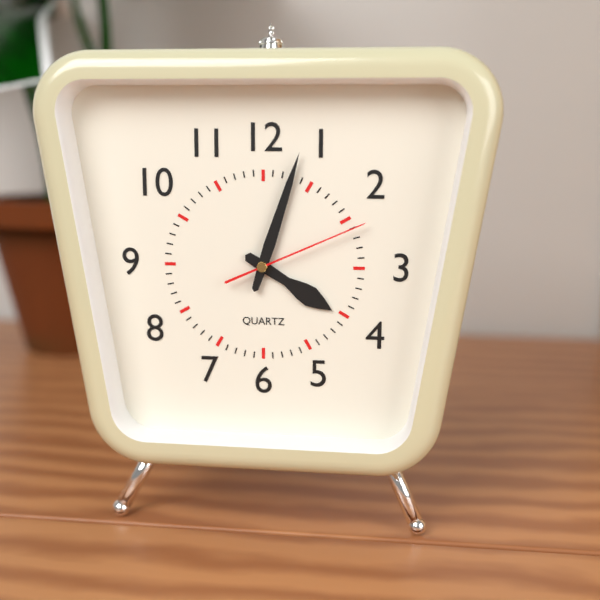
4:03:11
